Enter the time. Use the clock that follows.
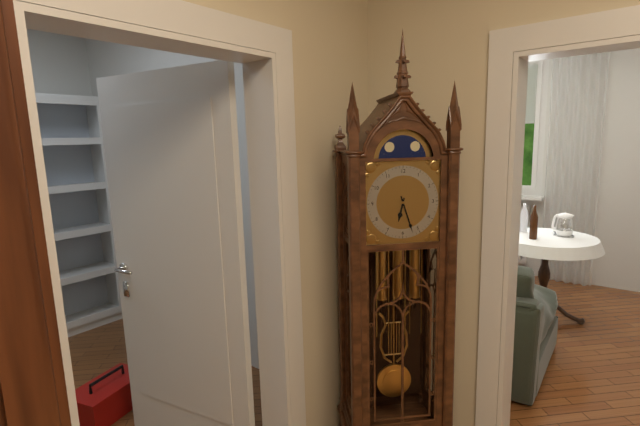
6:27
